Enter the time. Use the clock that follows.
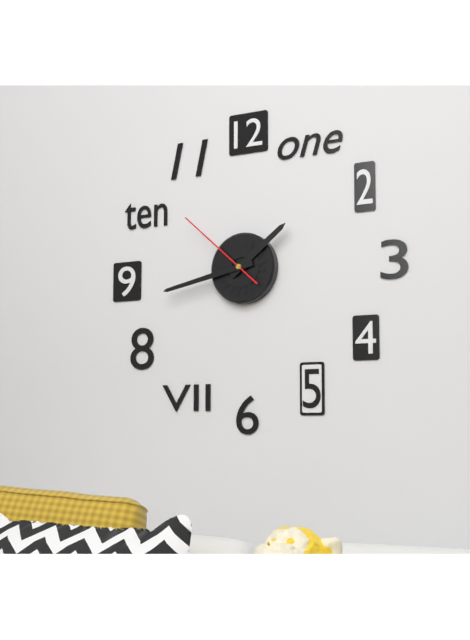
1:43:52
